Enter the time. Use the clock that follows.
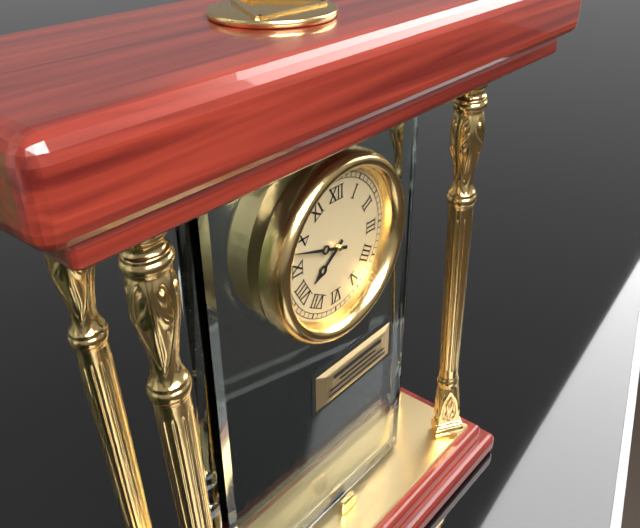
7:48
